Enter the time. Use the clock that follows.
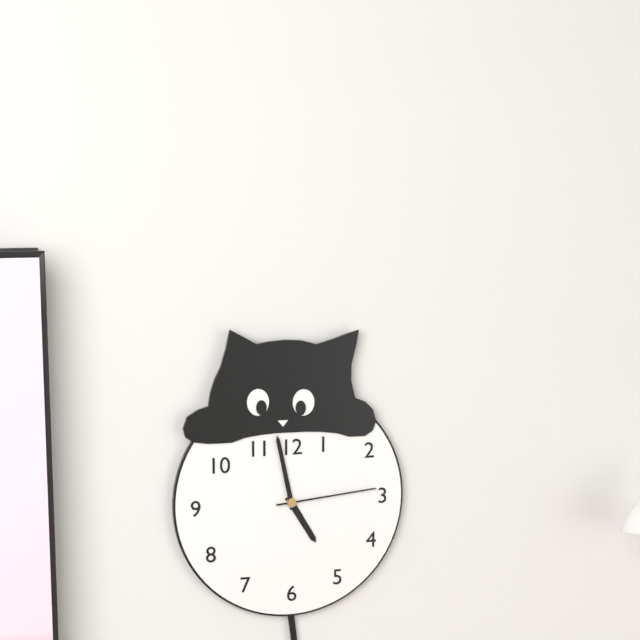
4:58:14
